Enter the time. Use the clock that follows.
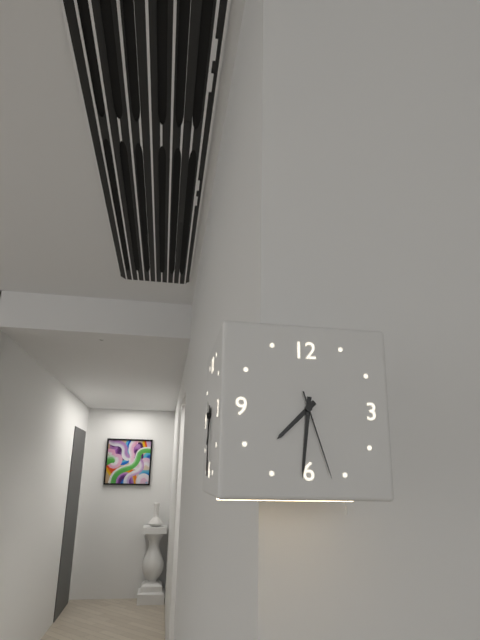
7:31:27
